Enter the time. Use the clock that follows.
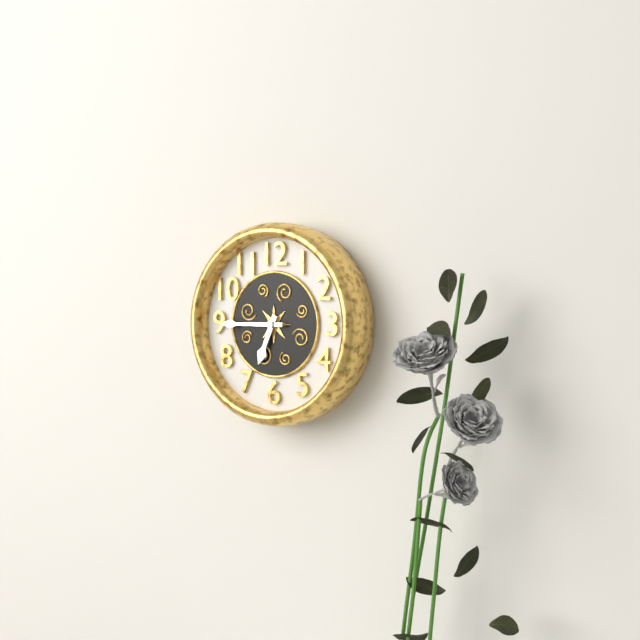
6:45
